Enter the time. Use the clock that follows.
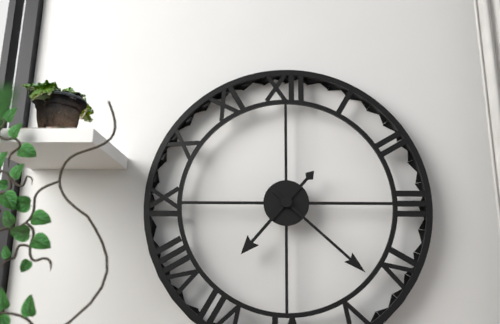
7:22
